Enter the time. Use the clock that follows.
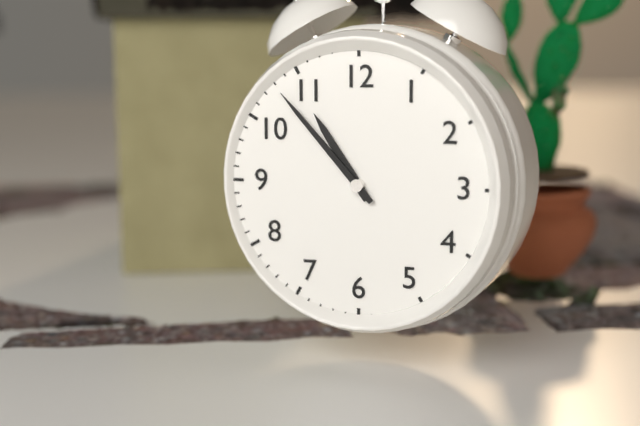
10:53
